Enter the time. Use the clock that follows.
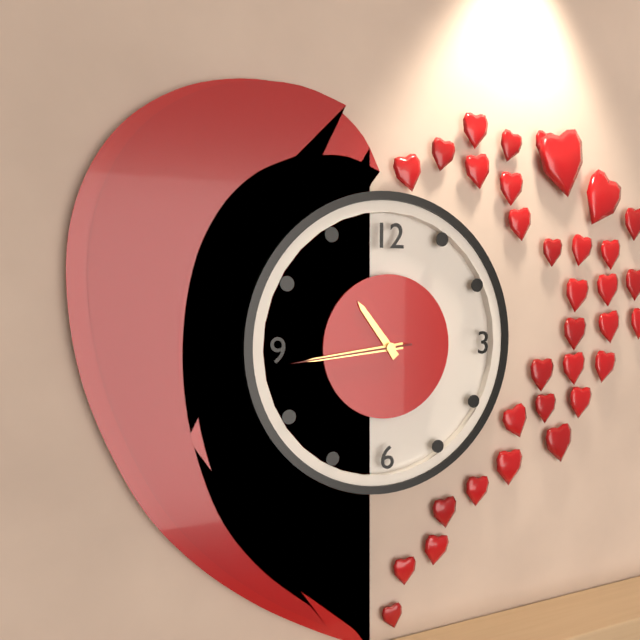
10:44:44
